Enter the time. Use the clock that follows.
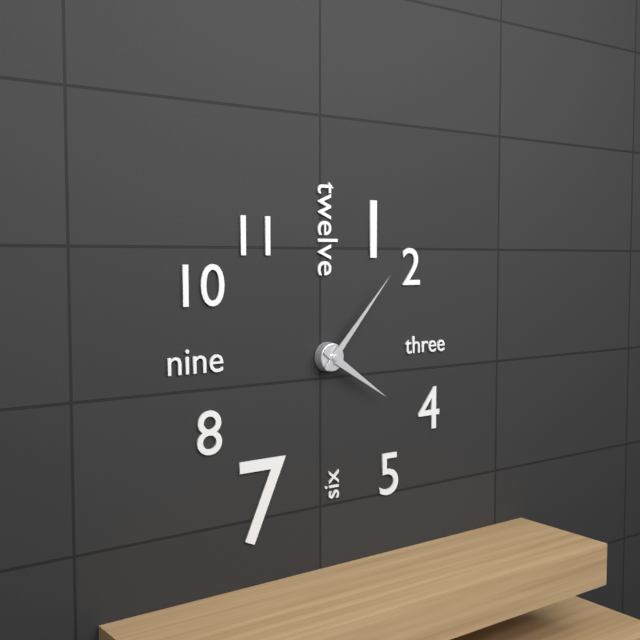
4:07
